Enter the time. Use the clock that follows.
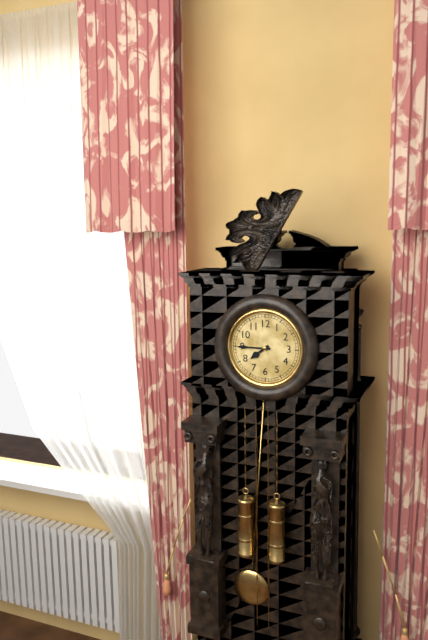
7:45
